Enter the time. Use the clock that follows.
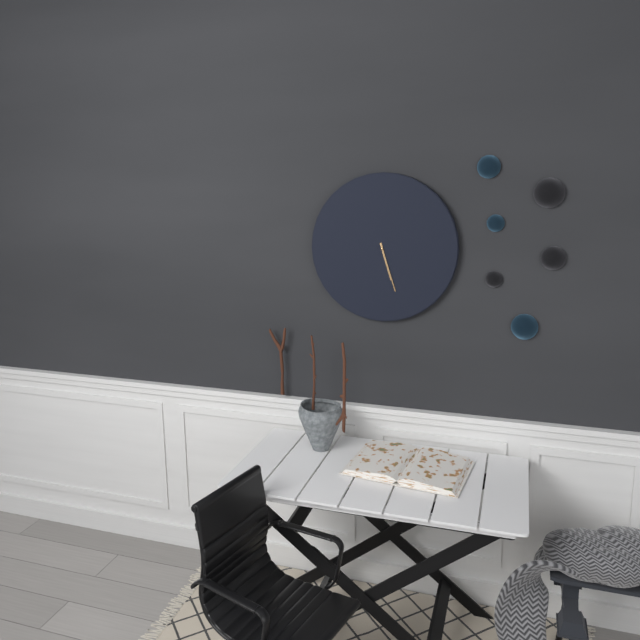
5:27
